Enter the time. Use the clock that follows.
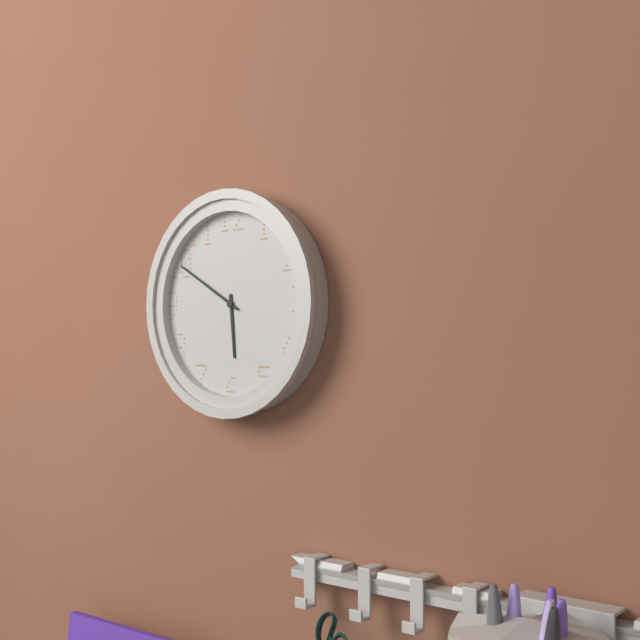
5:50
